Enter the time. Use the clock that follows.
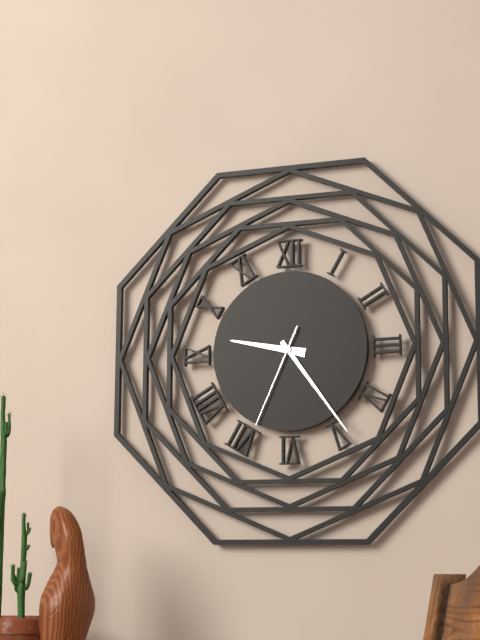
9:24:34
